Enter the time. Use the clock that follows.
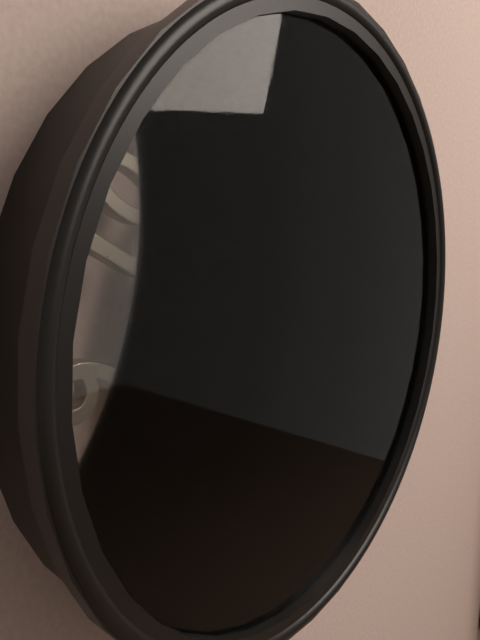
7:57:52
